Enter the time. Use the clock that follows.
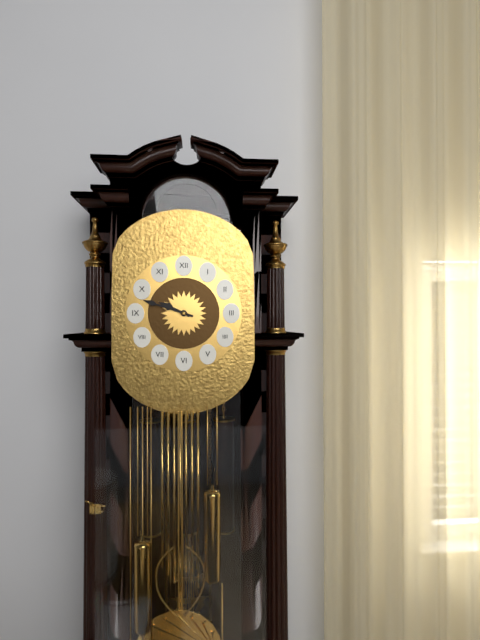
9:48
